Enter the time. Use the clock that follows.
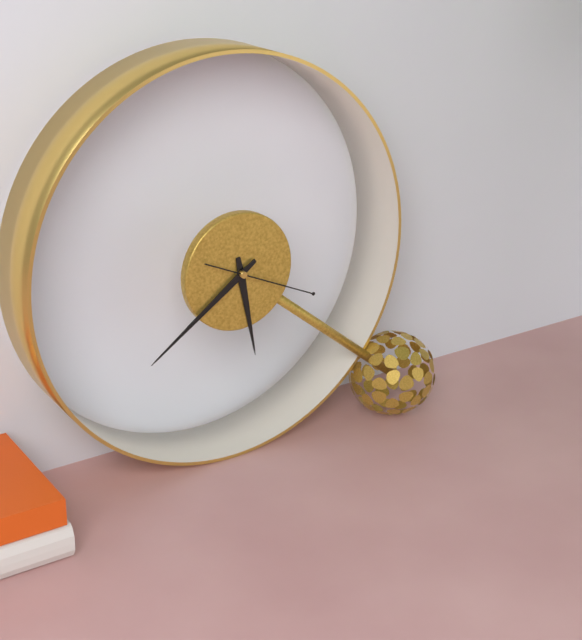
5:39:19
